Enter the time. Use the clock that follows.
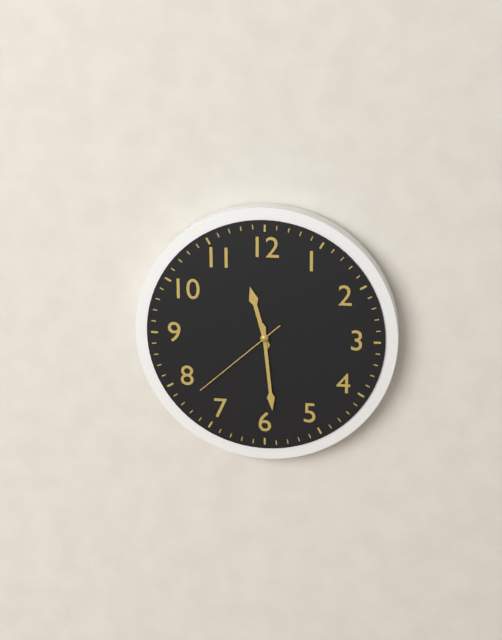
11:29:38
